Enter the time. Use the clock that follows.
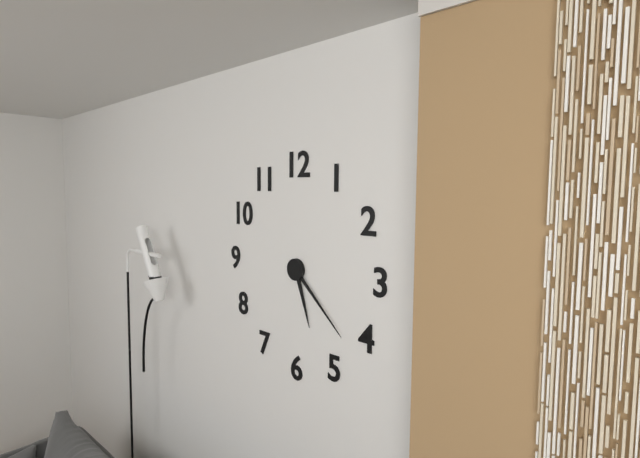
5:22
